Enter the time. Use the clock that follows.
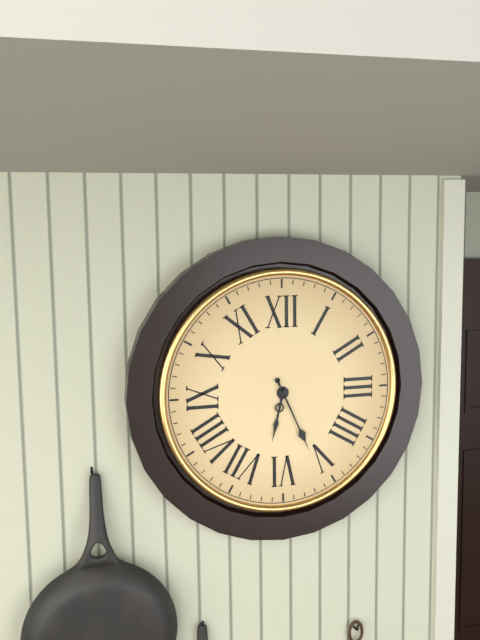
6:26
